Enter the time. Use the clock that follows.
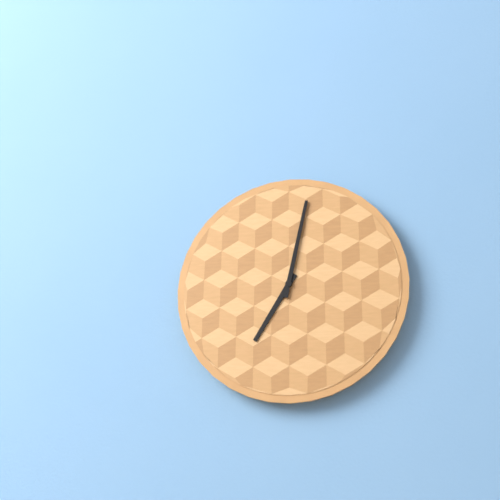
7:02
